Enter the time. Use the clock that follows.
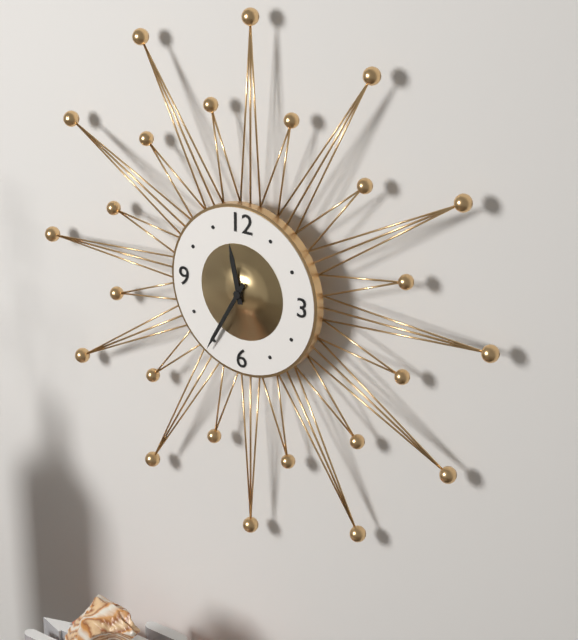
11:35
